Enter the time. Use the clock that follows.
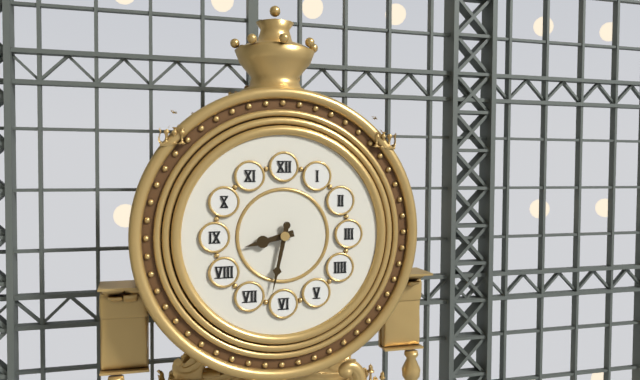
8:32
